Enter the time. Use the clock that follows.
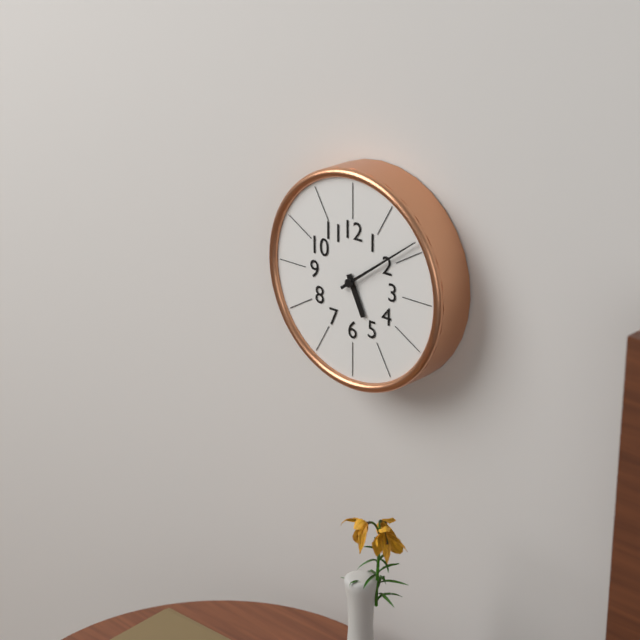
5:09
